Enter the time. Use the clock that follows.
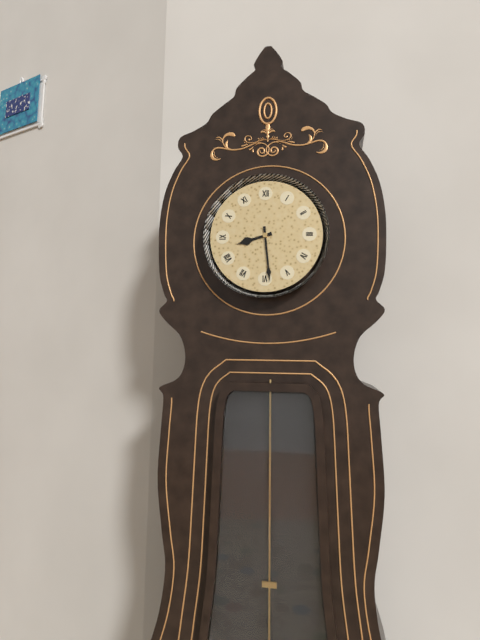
8:29
